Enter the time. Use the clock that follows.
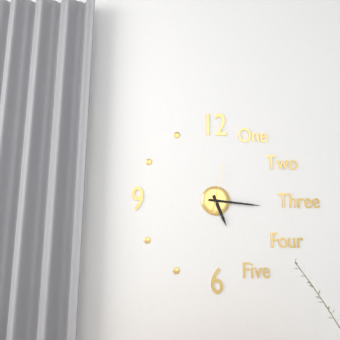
5:16:02
